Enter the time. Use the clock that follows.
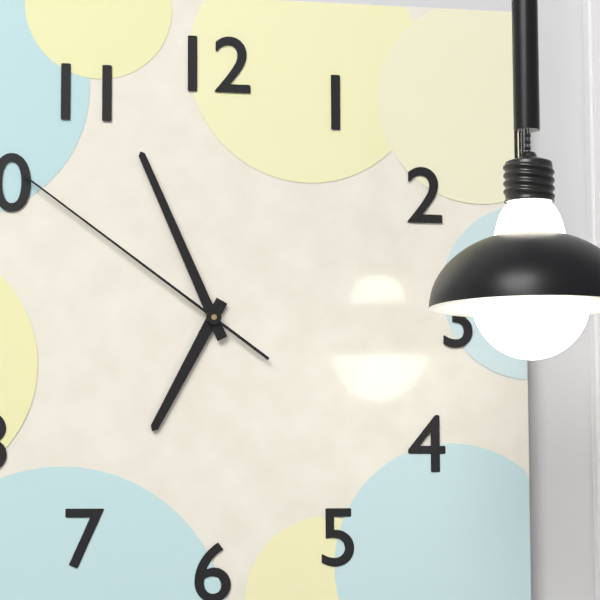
6:56:51
